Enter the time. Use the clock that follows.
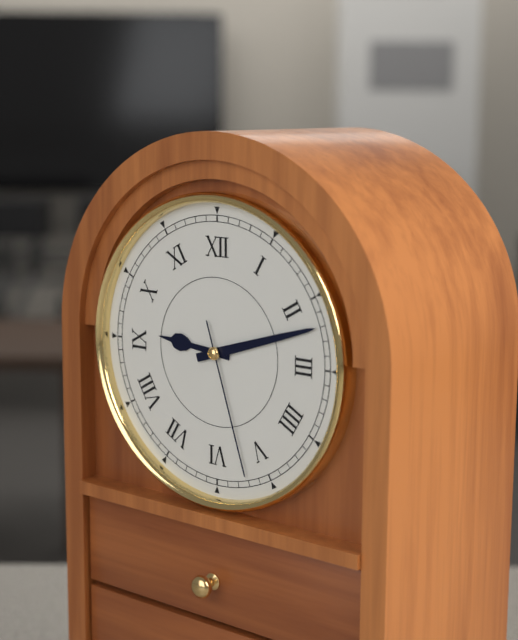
9:12:27
